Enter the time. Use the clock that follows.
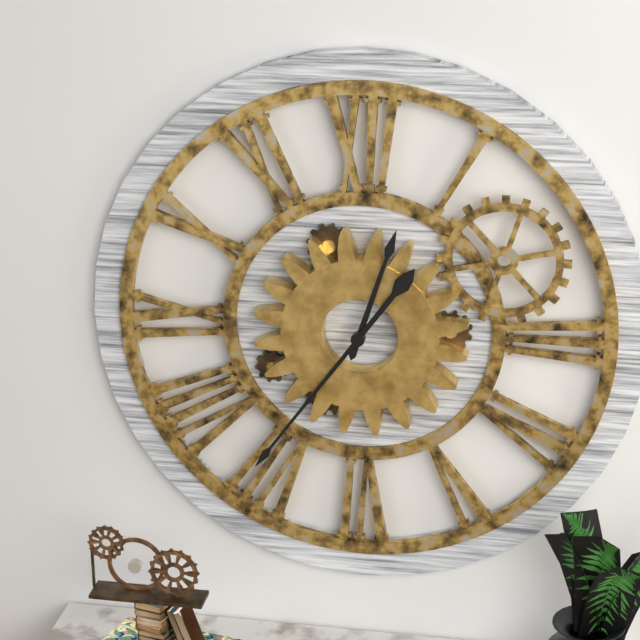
12:36
